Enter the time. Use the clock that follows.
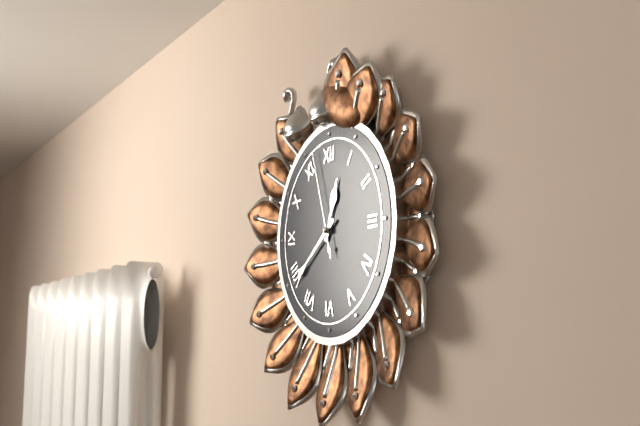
12:39:57
